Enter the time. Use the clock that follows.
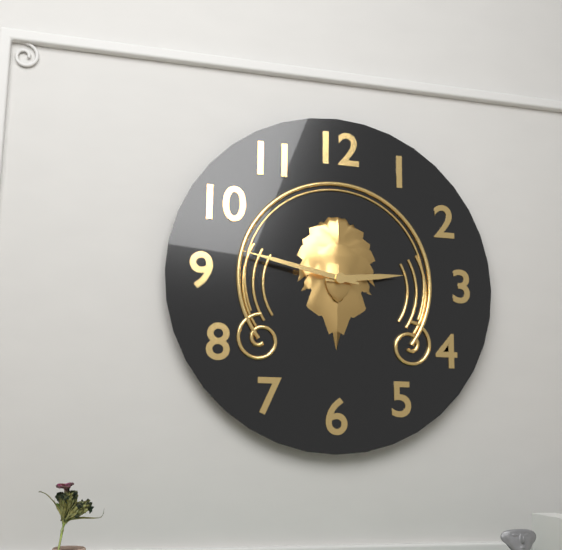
2:47
